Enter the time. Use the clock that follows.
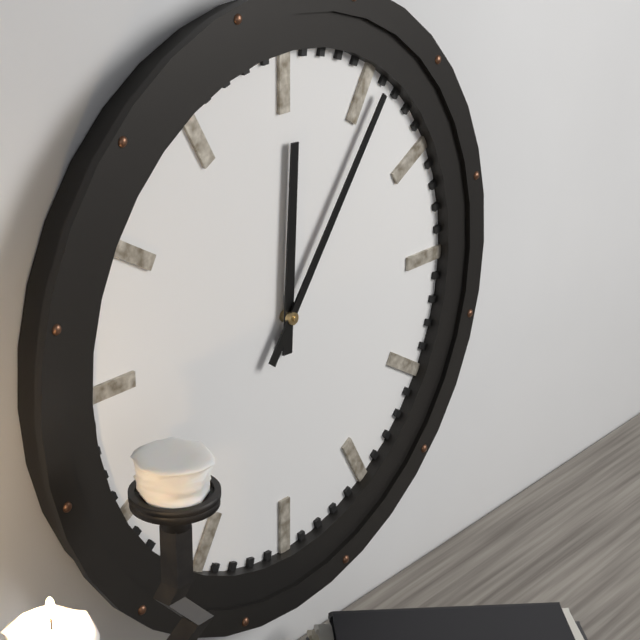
12:06
